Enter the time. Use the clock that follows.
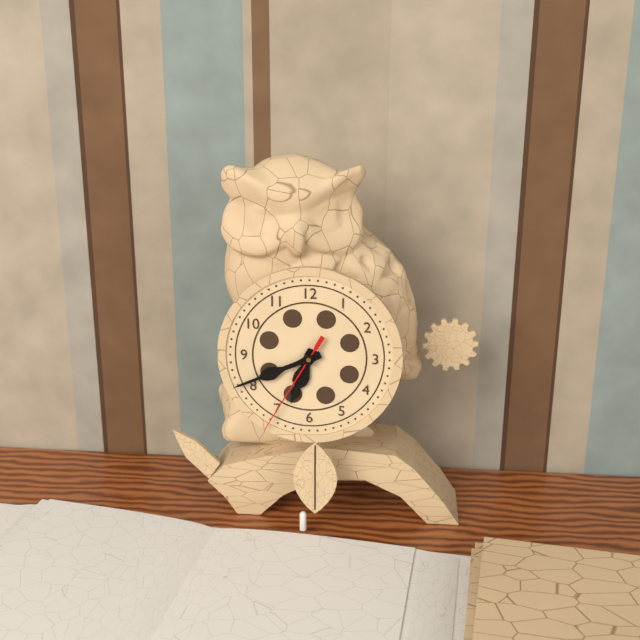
6:41:35
